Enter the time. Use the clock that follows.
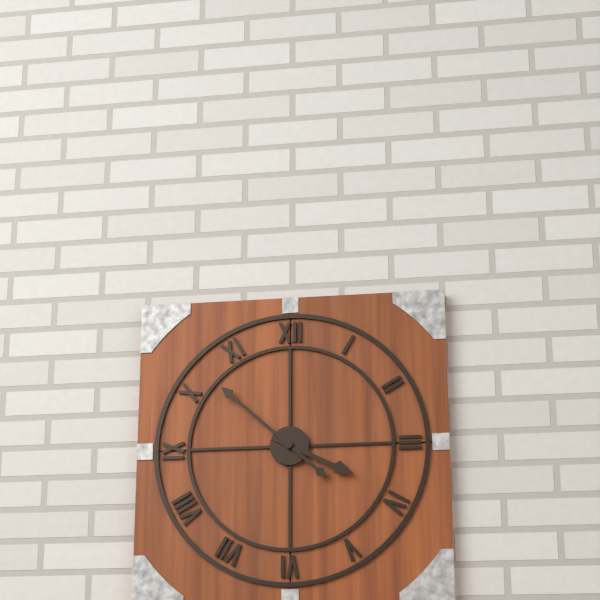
3:52
